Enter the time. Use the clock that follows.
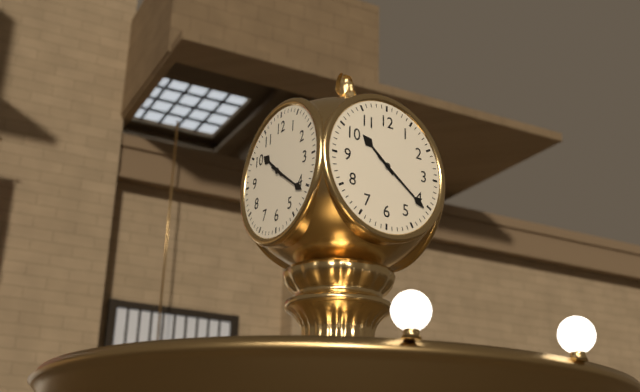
10:21
